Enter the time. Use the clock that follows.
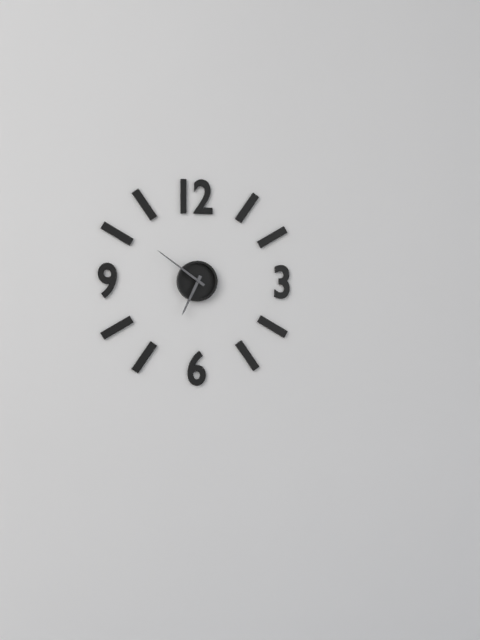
6:51
